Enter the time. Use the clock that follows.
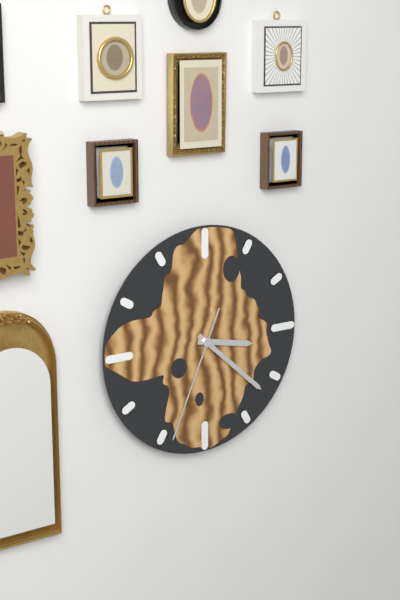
3:22:34
